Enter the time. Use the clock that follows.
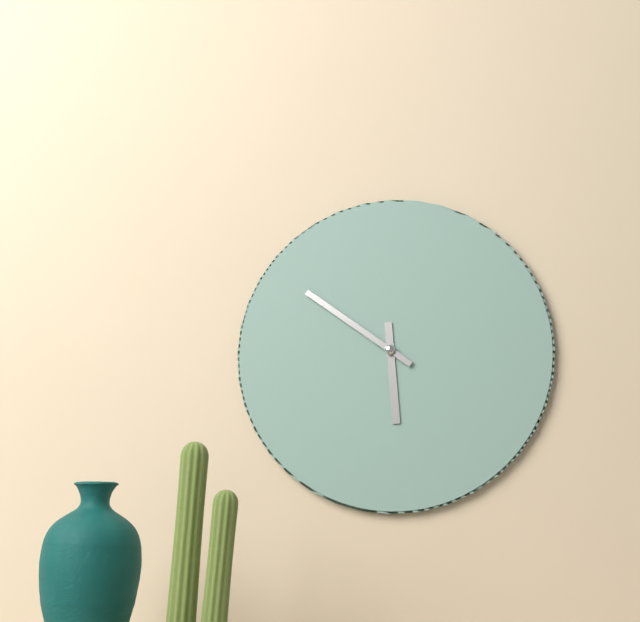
5:51
